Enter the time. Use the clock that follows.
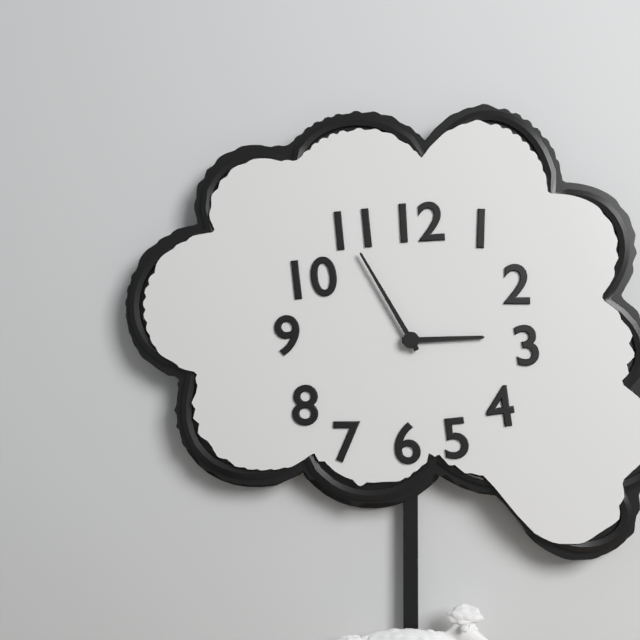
2:55
